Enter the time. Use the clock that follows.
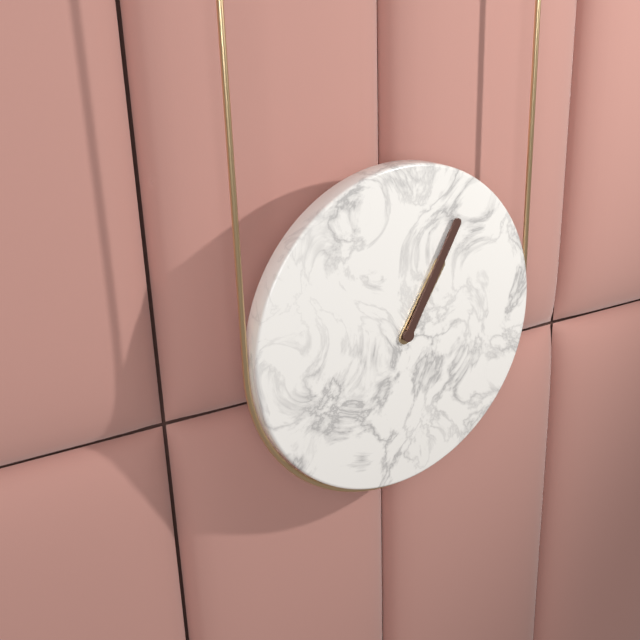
1:05
